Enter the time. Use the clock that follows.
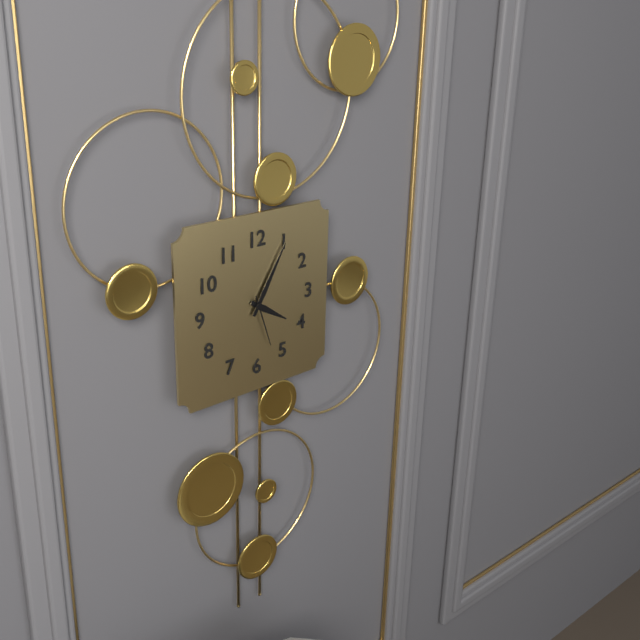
4:05:27
